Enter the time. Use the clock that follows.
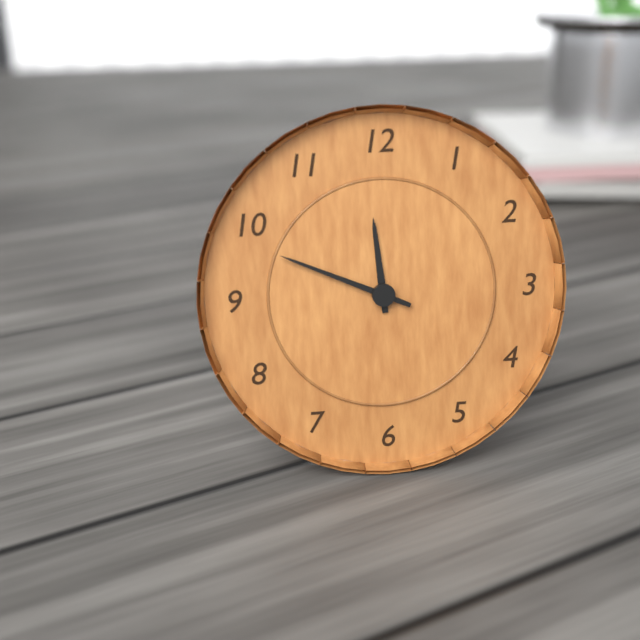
11:49
